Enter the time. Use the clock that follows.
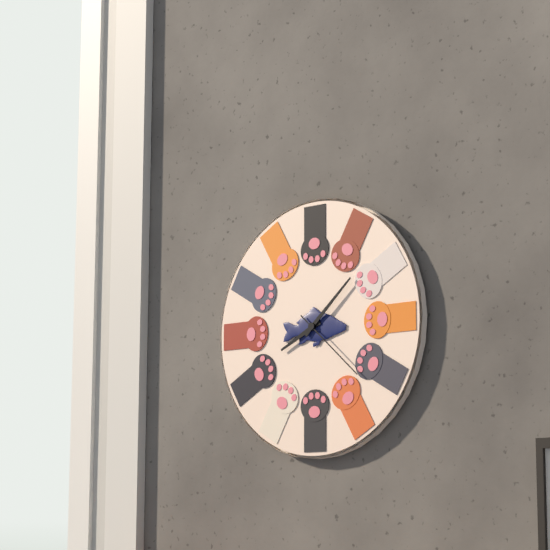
8:08:22
